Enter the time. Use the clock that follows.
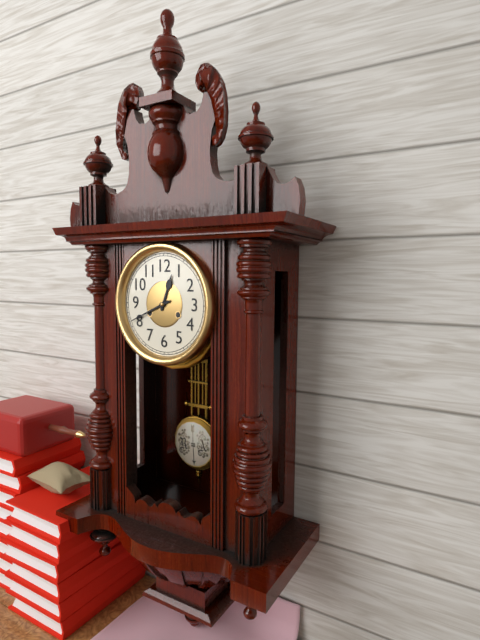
12:41
